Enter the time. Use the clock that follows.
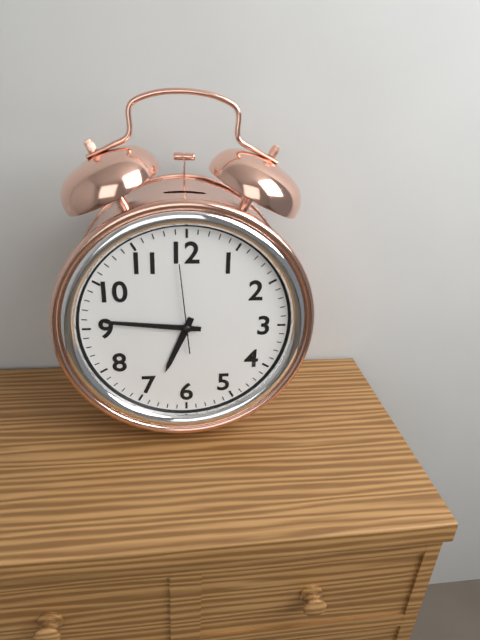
6:46:59
